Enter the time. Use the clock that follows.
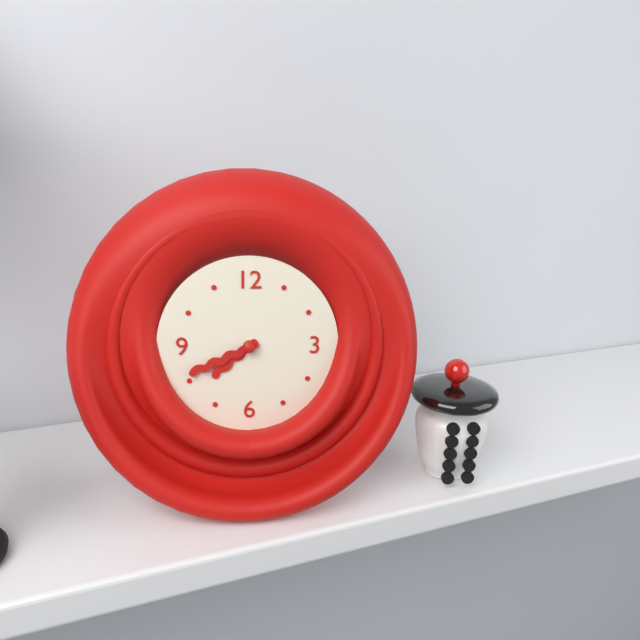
7:41
